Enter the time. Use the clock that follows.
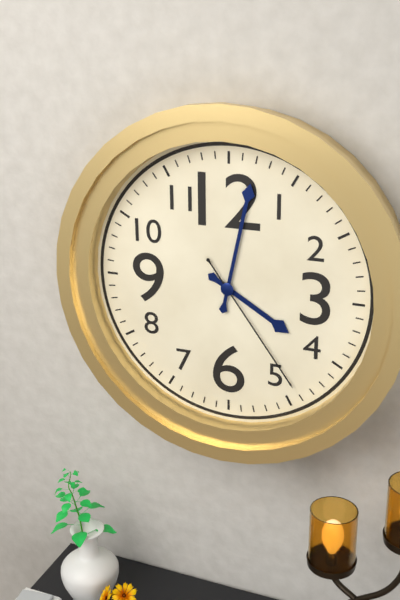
4:02:24
